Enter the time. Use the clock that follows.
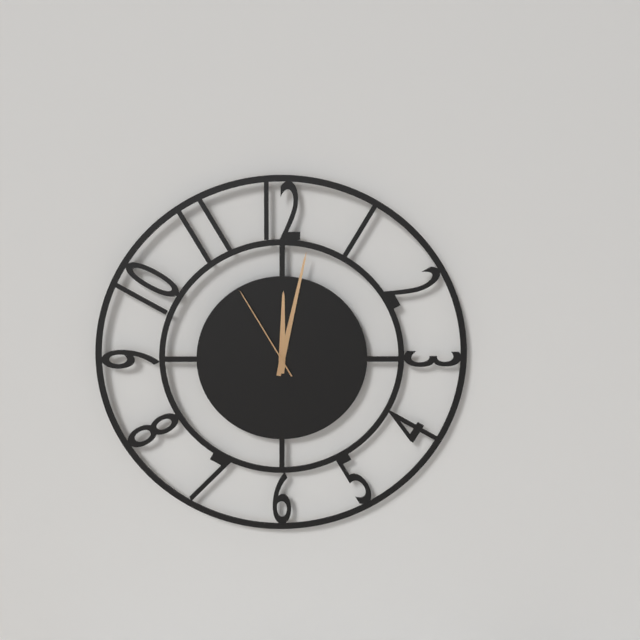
12:02:55
